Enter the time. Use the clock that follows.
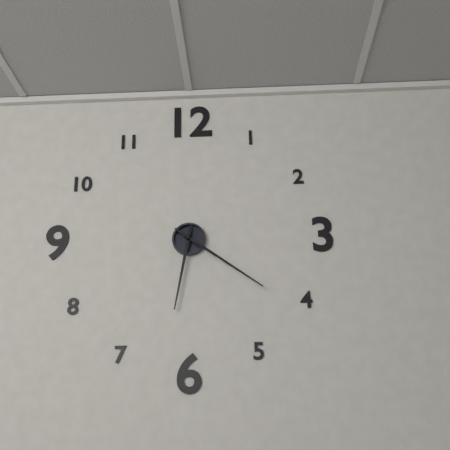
6:21
